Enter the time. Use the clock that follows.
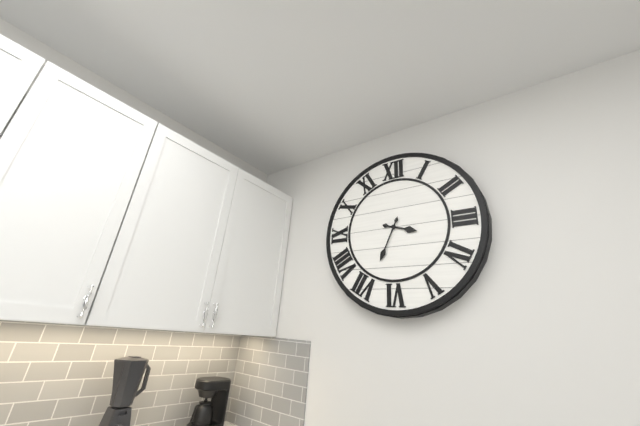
3:34
